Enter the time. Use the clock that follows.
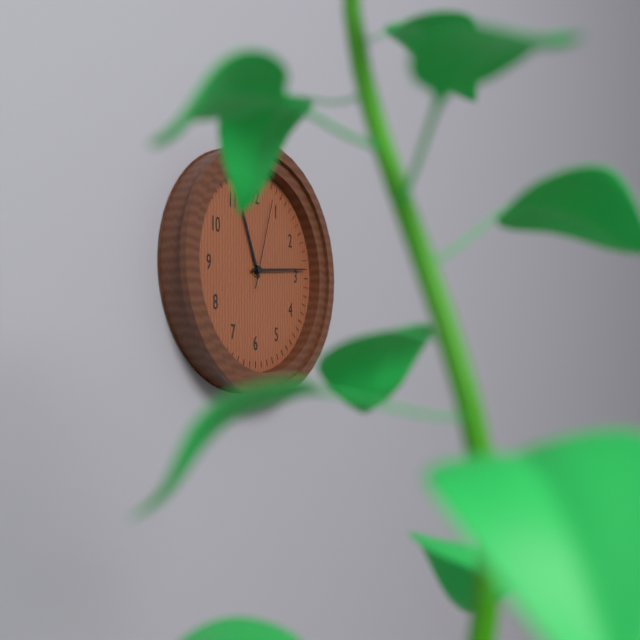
11:14:03
